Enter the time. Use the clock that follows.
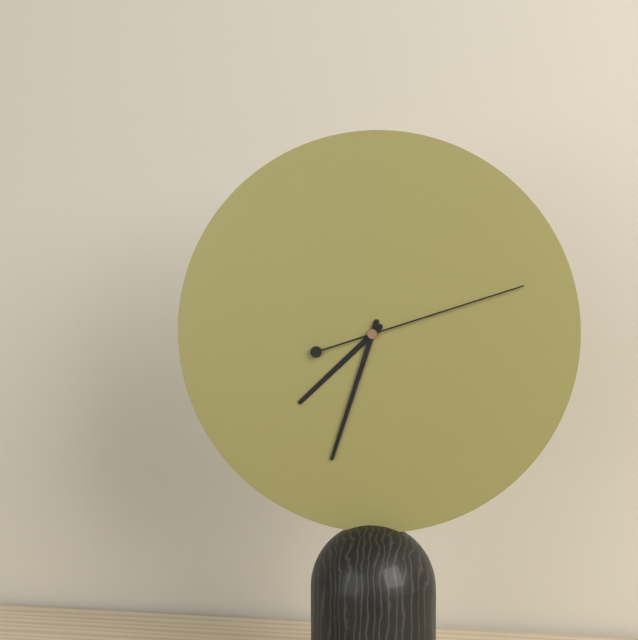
7:33:12
